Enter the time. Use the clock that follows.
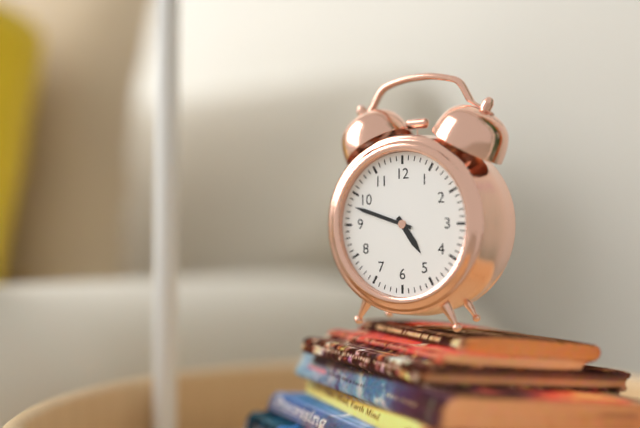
4:48
